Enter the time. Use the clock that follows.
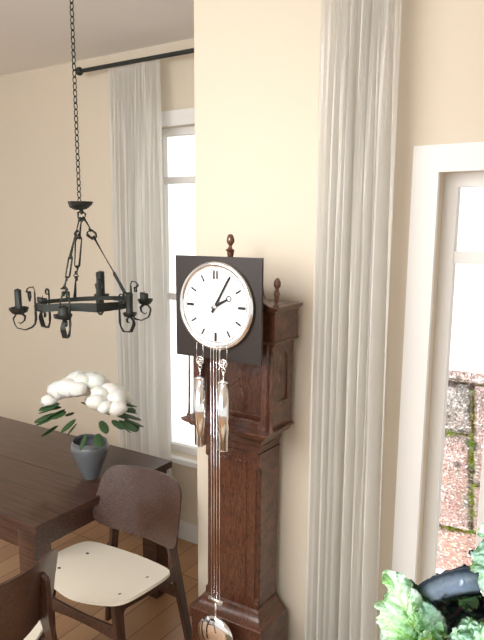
2:05
